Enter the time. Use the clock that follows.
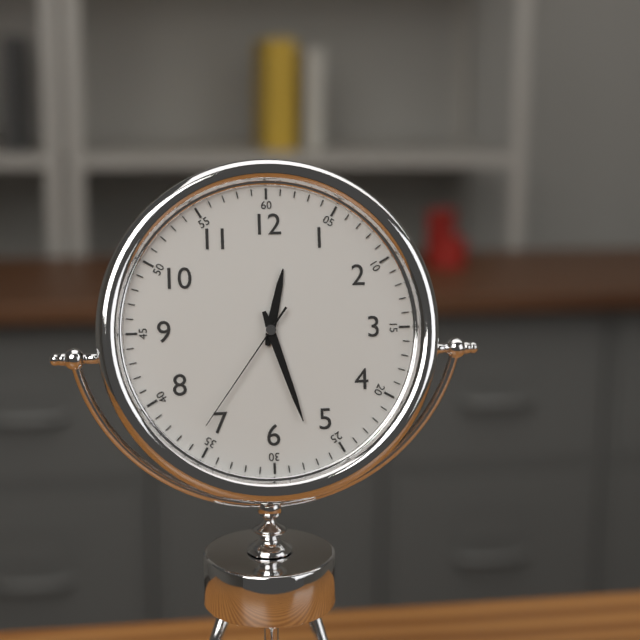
12:27:36
